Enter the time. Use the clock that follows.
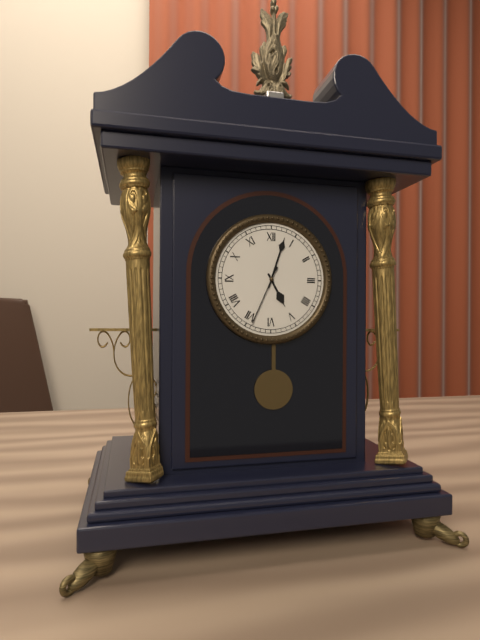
5:03:34
